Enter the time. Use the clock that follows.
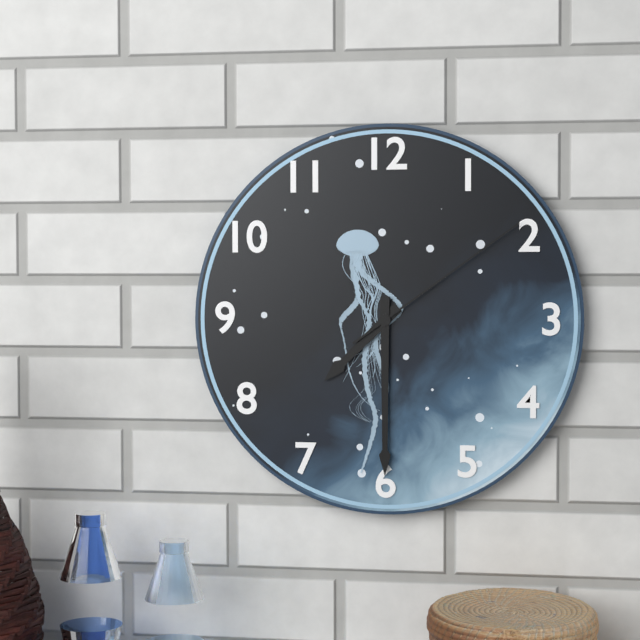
7:30:09
